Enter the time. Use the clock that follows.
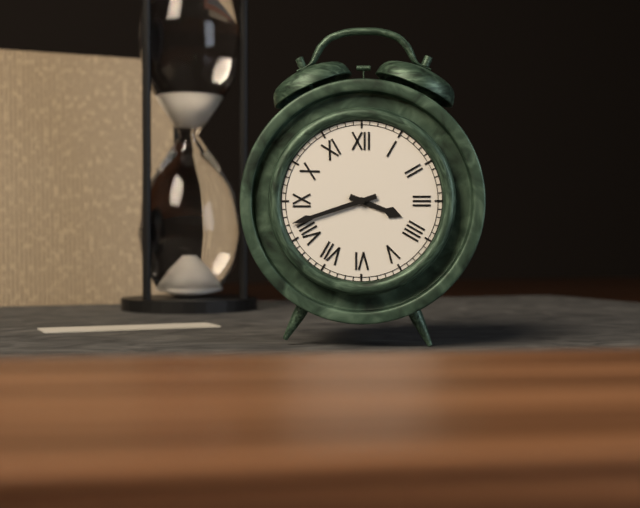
3:42
